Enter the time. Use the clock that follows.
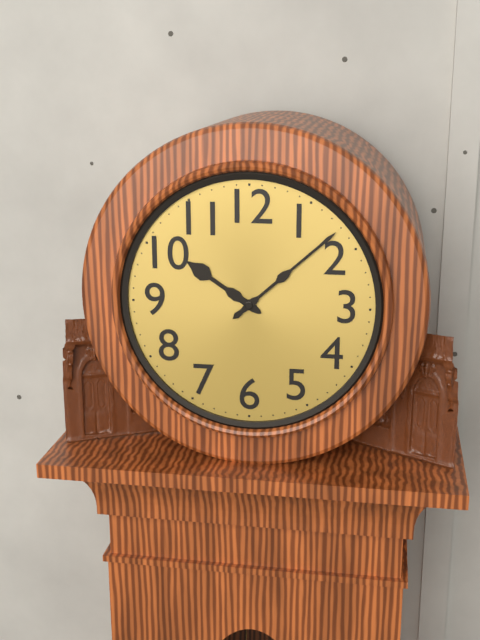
10:08
